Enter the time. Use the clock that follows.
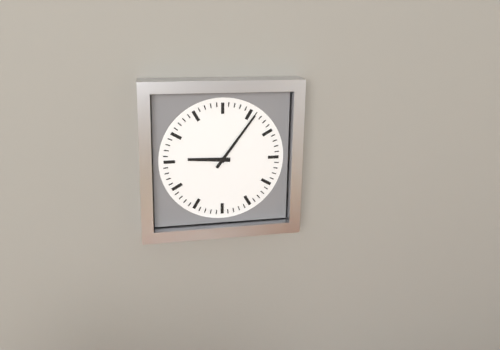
9:06
